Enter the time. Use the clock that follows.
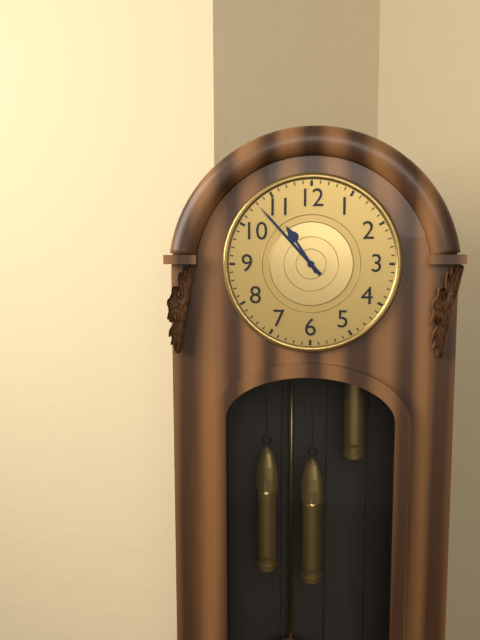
10:53
